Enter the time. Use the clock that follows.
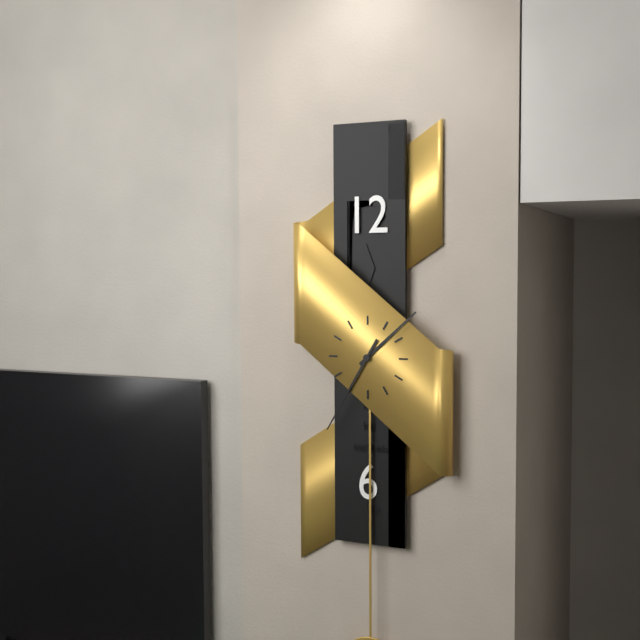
1:35
